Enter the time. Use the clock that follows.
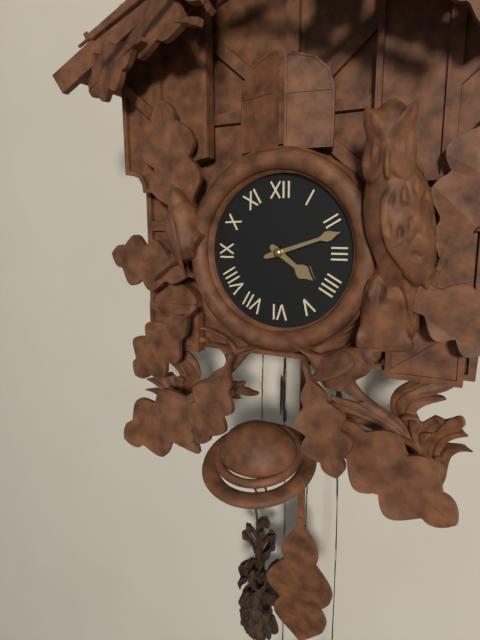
4:12
